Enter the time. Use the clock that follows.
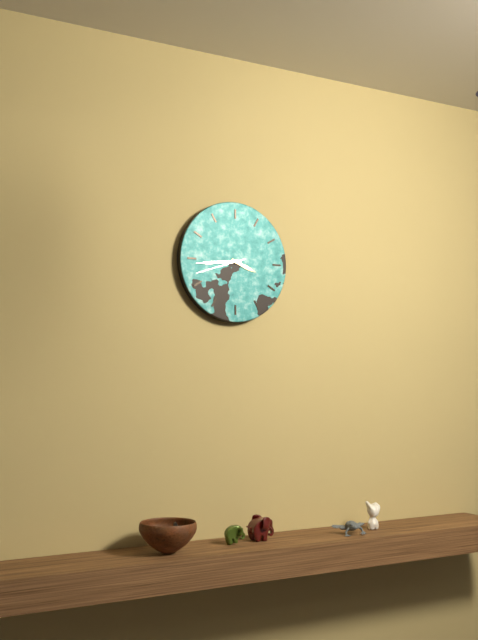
3:44
